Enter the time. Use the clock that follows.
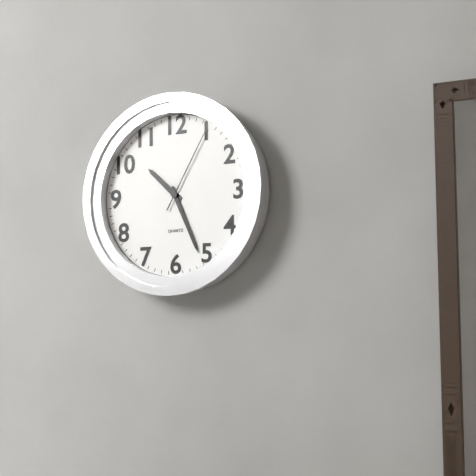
10:26:05
